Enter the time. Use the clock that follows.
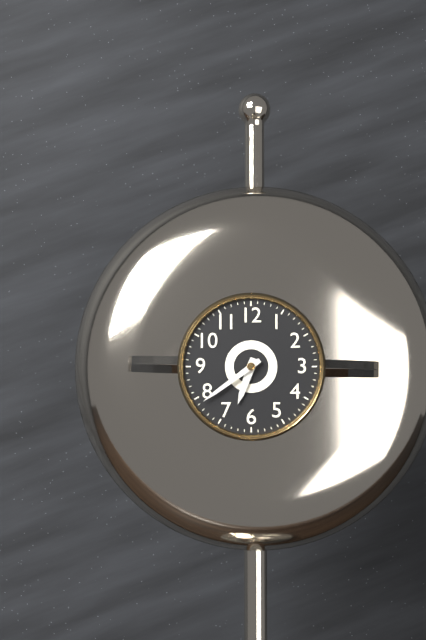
6:39
